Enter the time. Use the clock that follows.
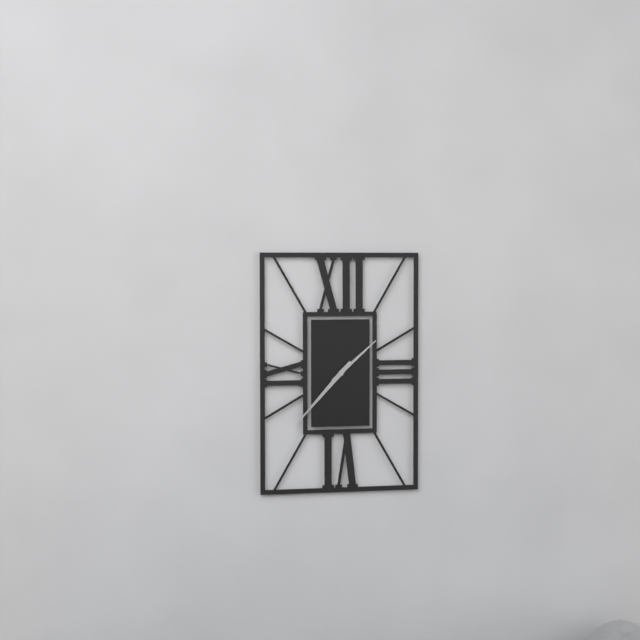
1:37
